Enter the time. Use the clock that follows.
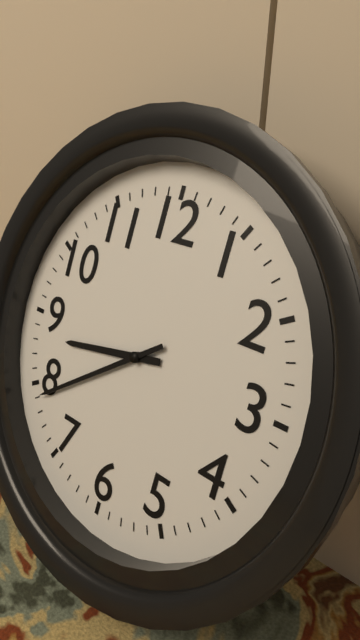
8:39
